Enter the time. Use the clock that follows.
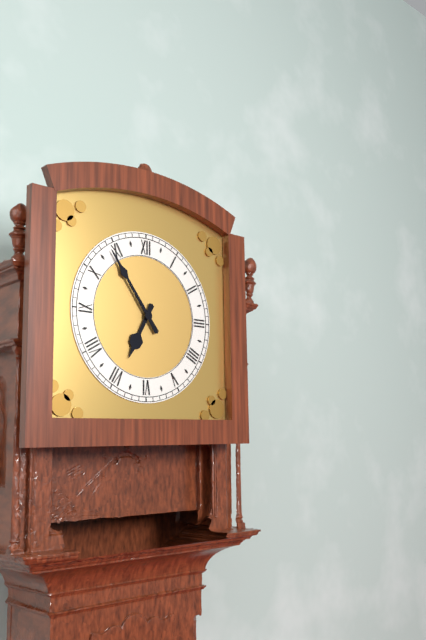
6:54
